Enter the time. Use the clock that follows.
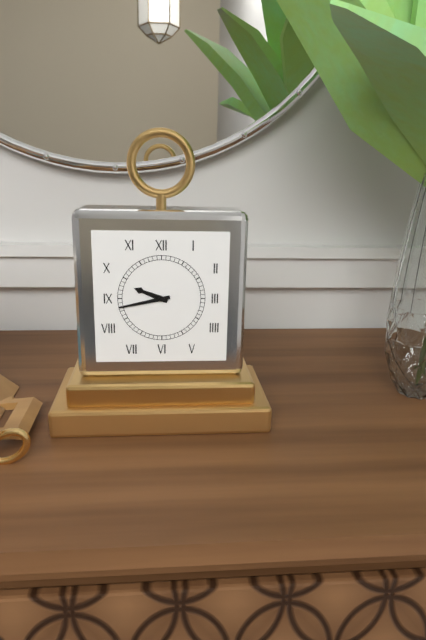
9:43
